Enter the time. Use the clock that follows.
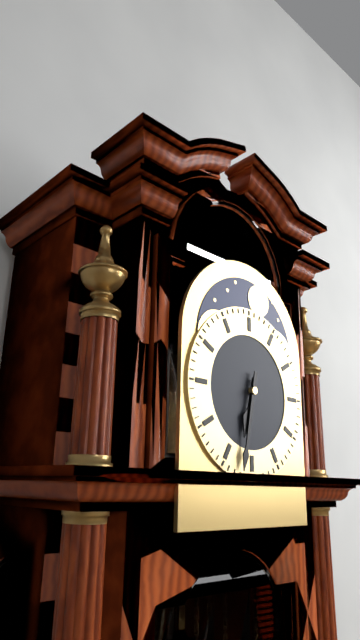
6:32
